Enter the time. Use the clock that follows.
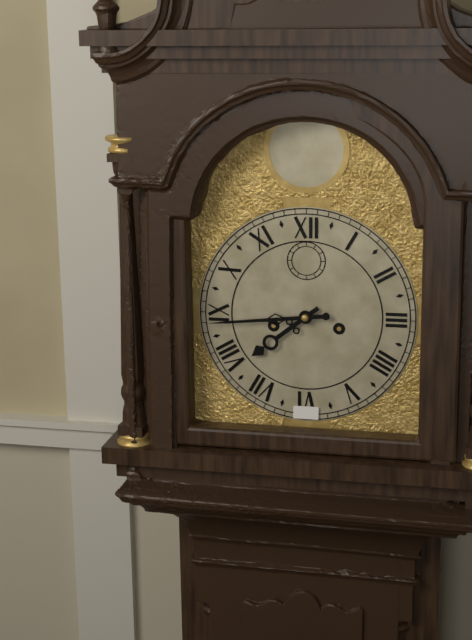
7:44
